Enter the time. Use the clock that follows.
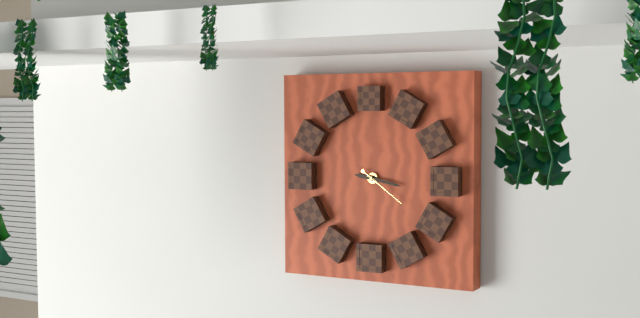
9:17
